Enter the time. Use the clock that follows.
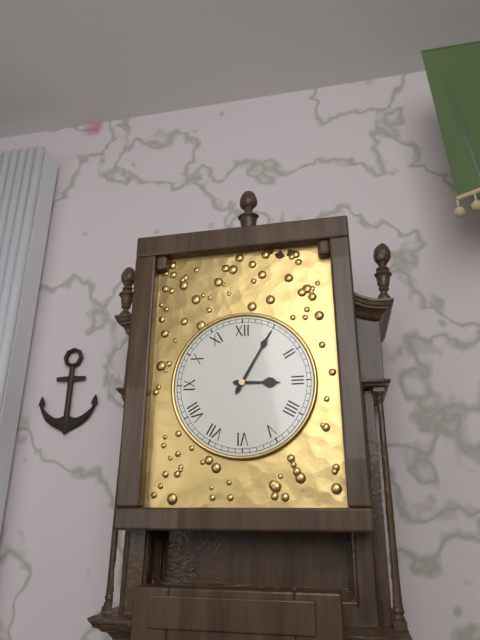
3:05
